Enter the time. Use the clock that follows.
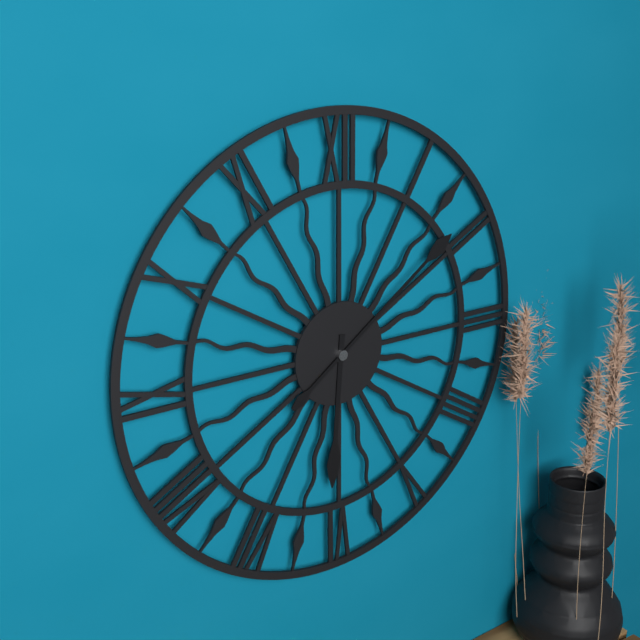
6:09
